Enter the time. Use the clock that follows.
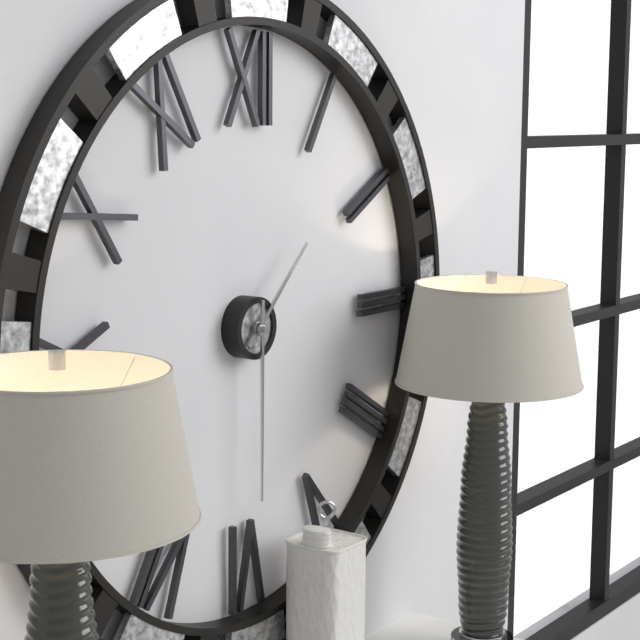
1:30
